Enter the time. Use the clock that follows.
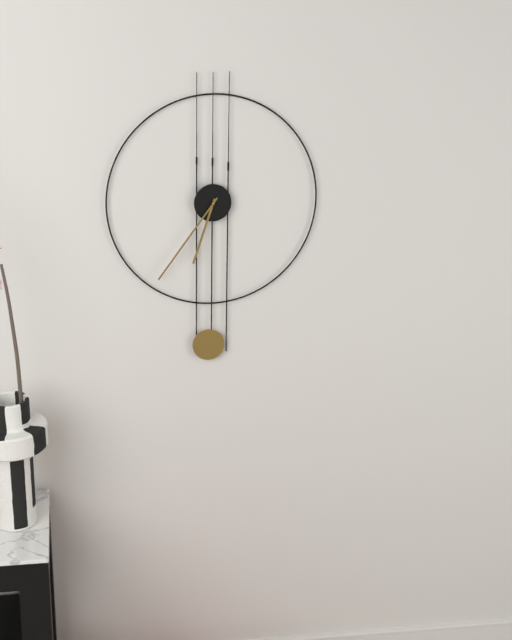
6:36
